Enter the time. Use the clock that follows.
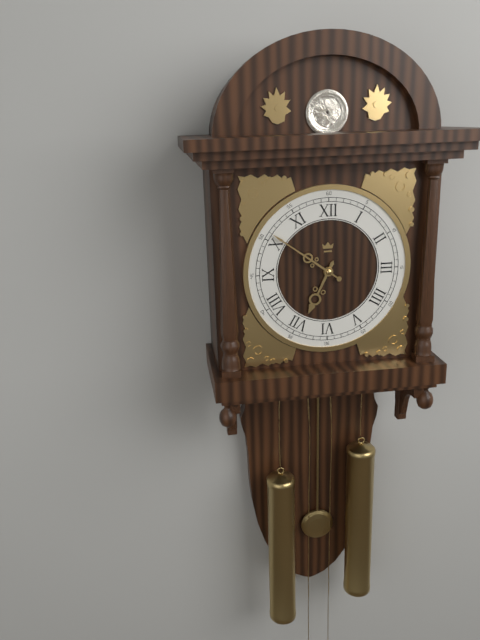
6:51
